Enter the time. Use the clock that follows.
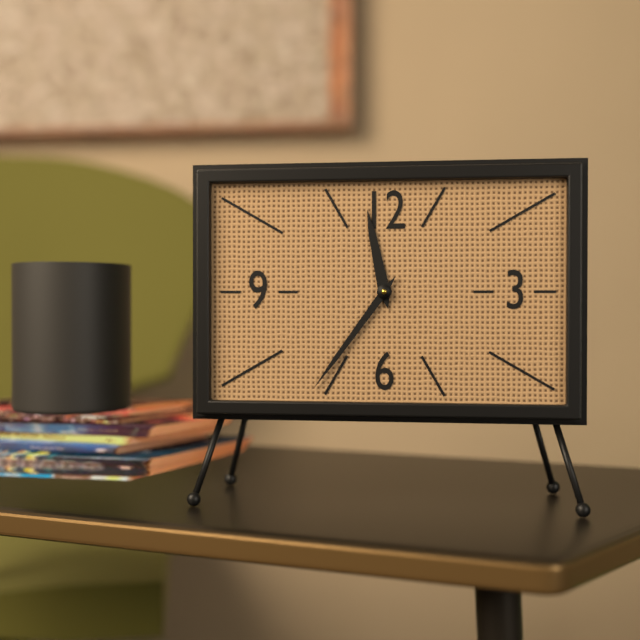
11:36
